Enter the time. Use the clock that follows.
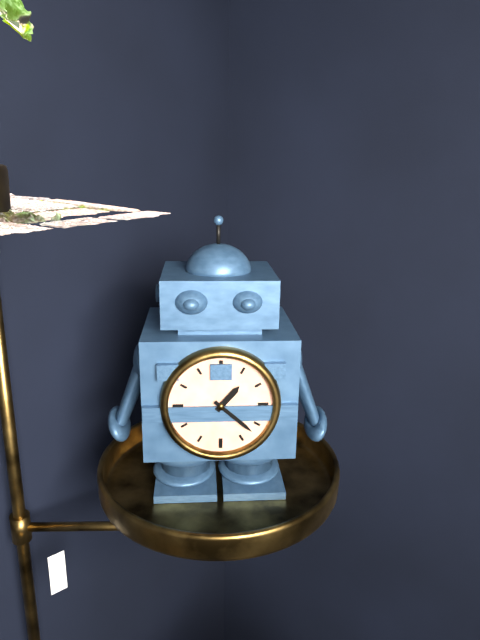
1:22
